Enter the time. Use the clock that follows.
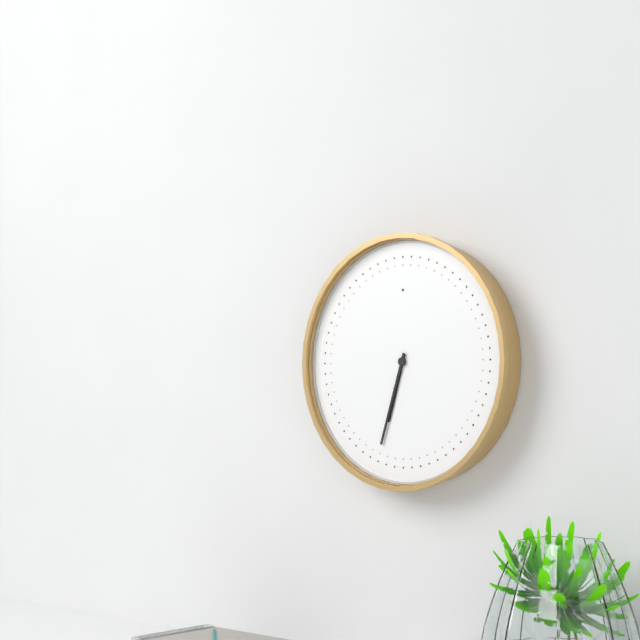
6:33
